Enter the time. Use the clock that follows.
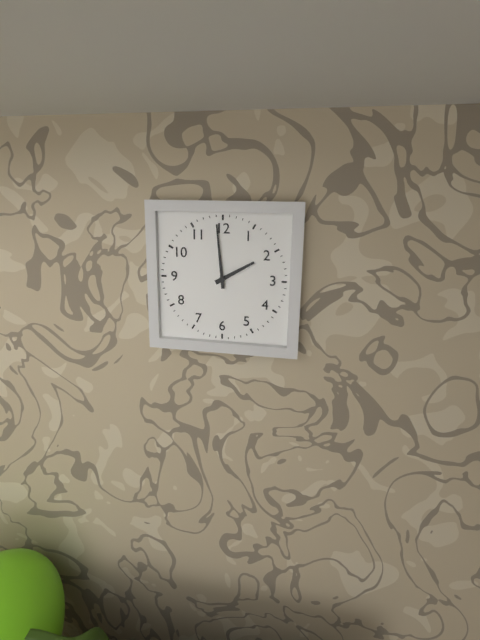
1:59
